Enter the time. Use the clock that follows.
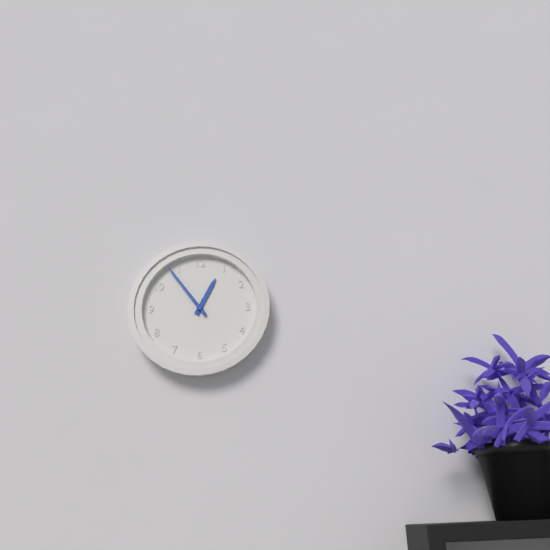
12:54
